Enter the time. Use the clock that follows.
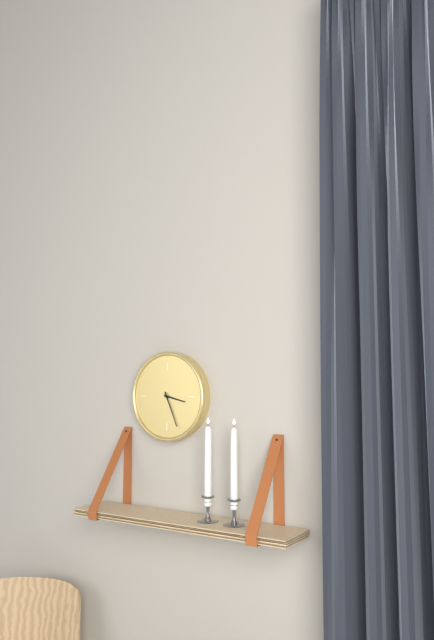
3:26
